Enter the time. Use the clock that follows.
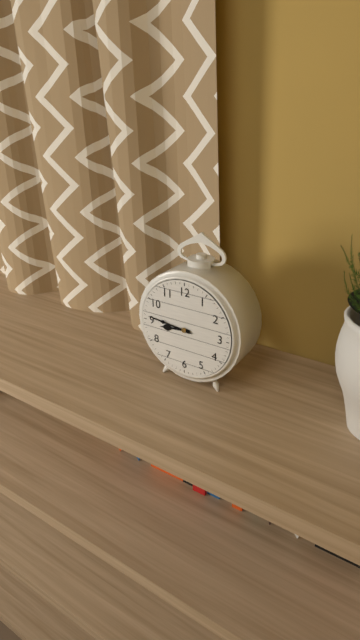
8:46
